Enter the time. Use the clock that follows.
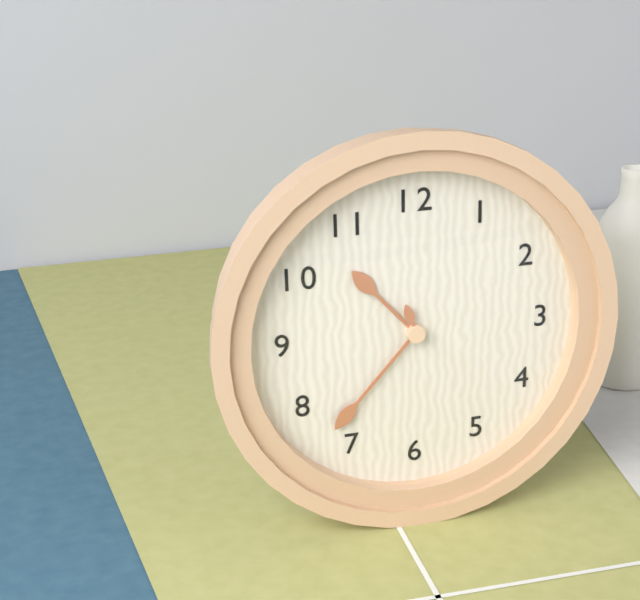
10:37
